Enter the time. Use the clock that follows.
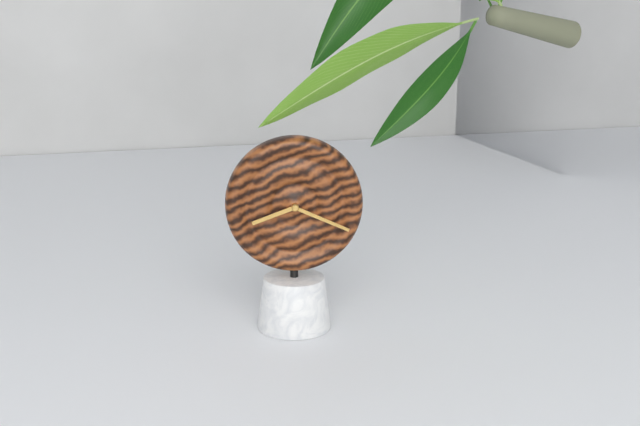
8:19
